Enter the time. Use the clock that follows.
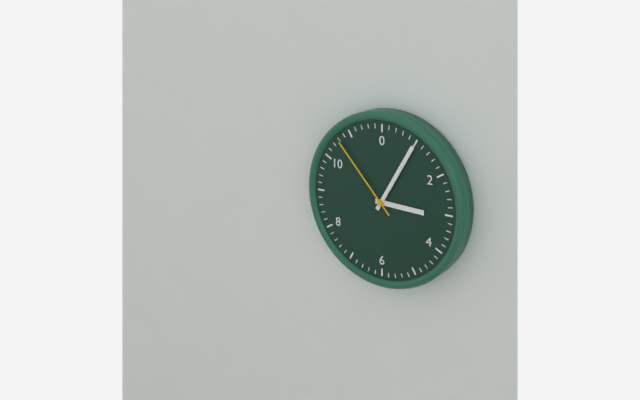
3:05:53
